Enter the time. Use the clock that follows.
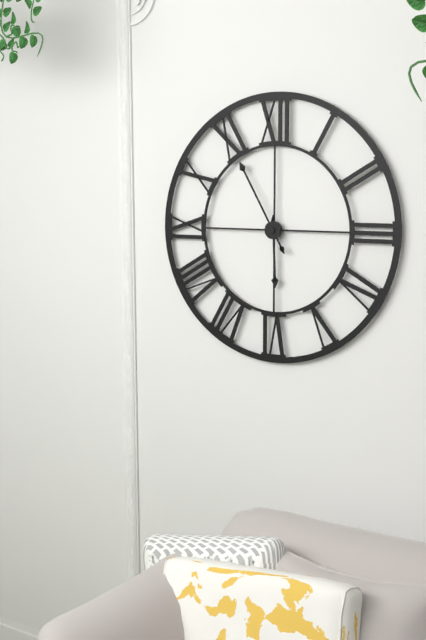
5:55
